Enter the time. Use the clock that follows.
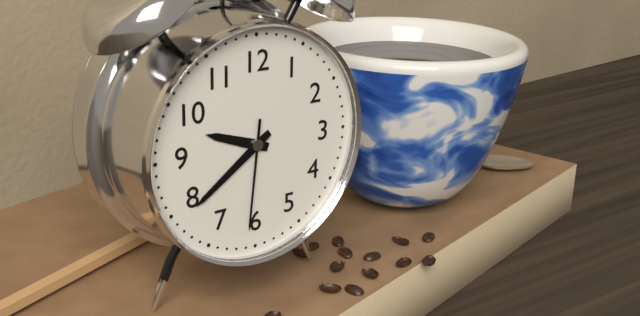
9:39:31
